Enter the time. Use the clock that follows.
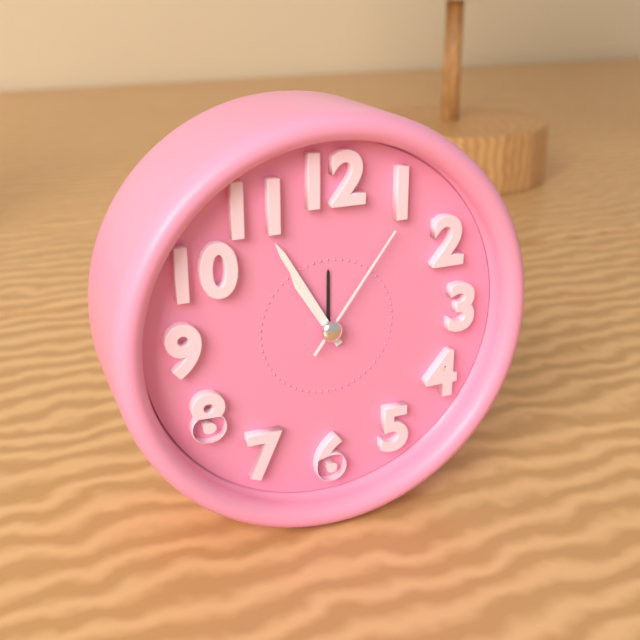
10:55:06
